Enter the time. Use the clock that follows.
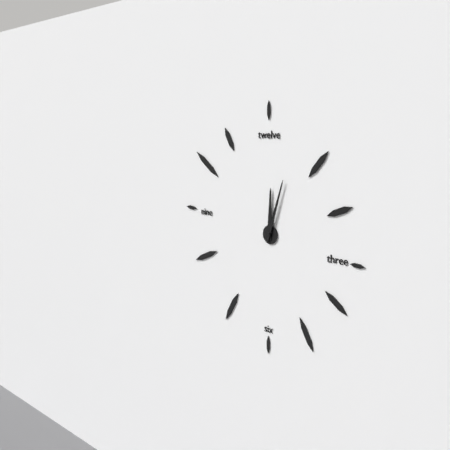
12:03
